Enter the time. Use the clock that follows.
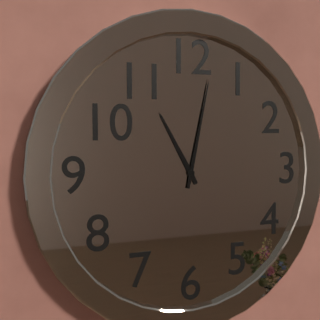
11:02
